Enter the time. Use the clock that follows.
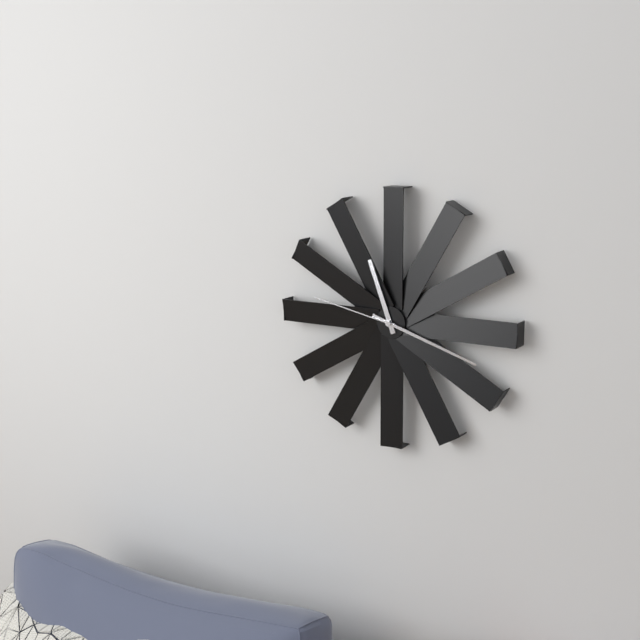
11:18:47
